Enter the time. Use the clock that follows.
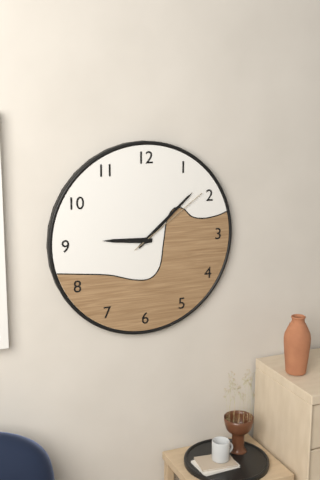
9:08:09
